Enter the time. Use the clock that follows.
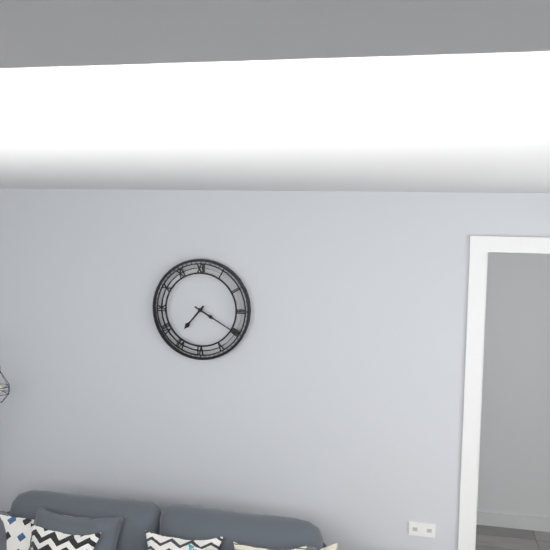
7:20
